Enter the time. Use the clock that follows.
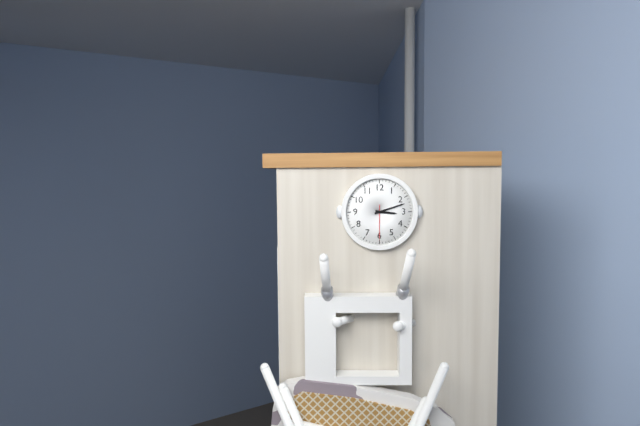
3:12
